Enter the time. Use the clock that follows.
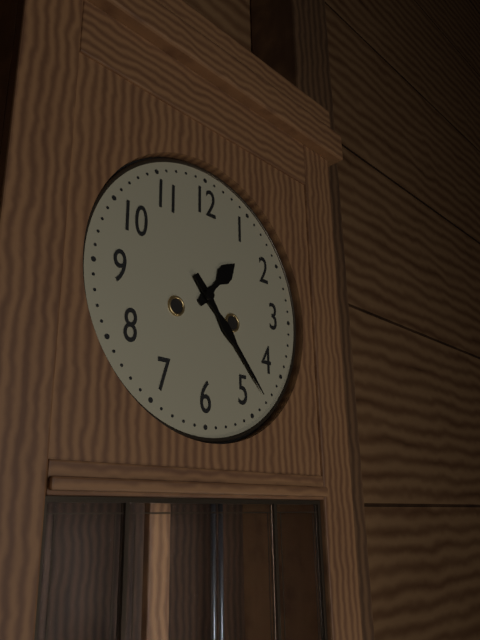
1:23
